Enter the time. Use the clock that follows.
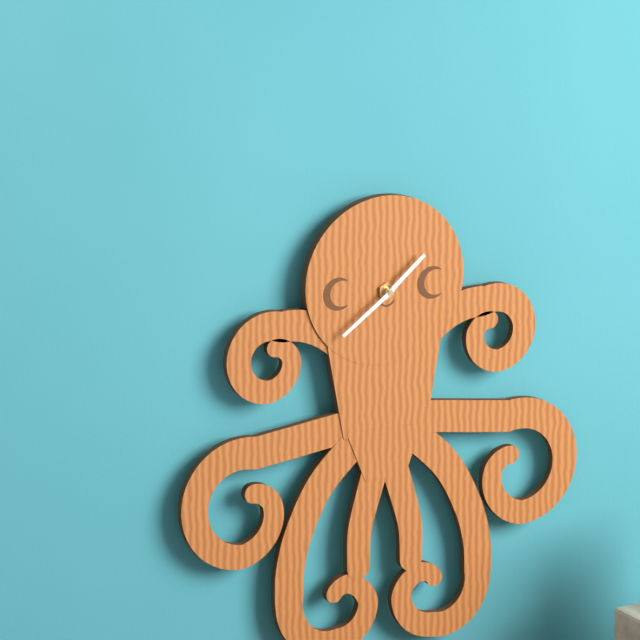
1:39
